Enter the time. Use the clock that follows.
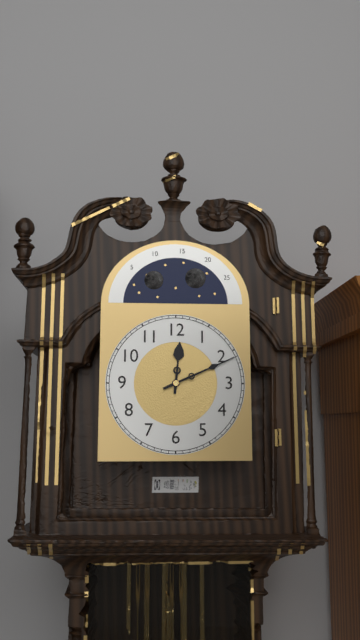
12:11
